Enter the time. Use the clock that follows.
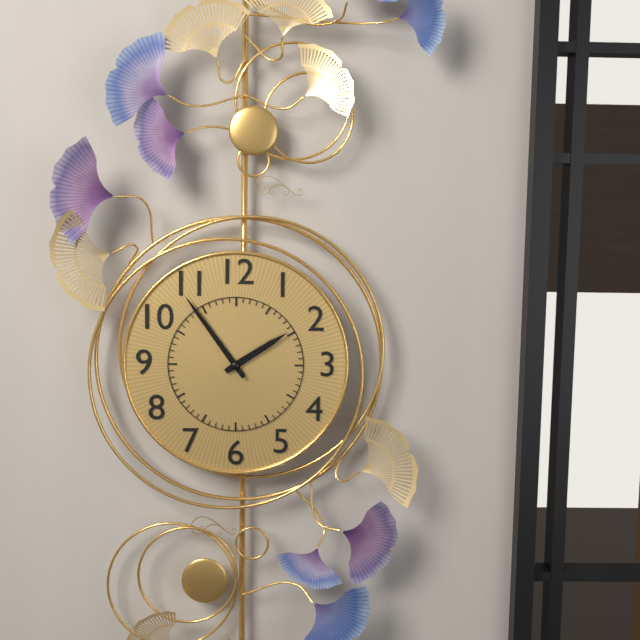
1:54
